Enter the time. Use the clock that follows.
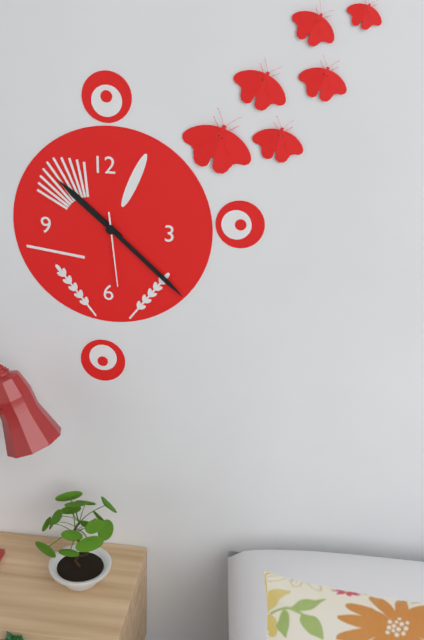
10:22:29
